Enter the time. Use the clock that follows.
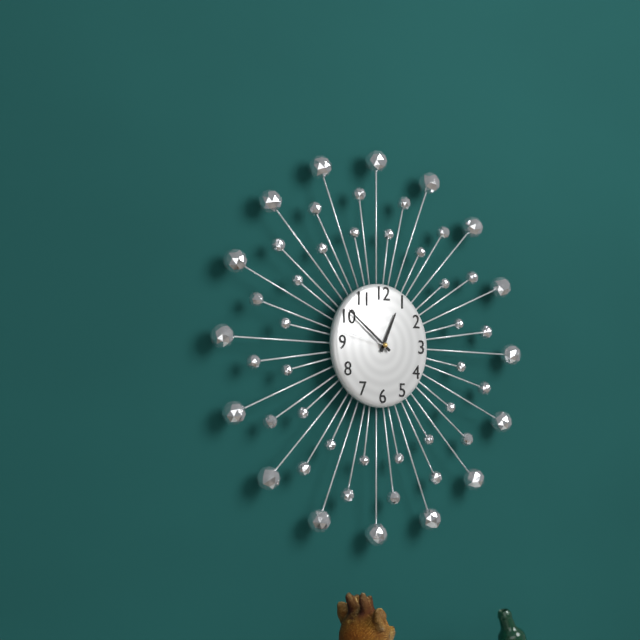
12:51:47
